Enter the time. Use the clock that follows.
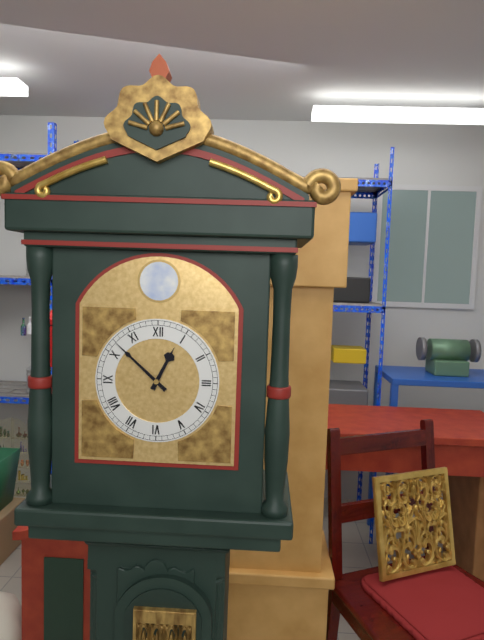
12:52
